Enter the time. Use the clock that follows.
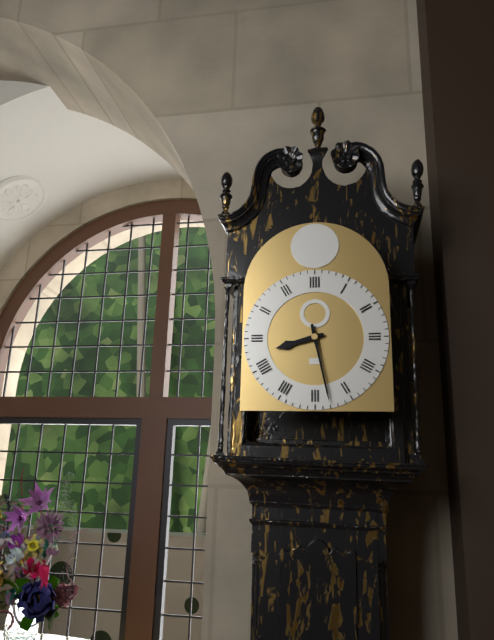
8:28
